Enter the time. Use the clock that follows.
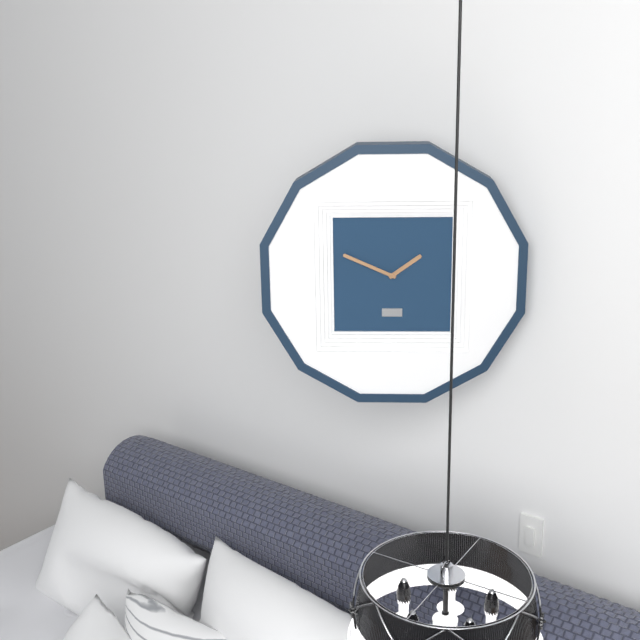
1:49
